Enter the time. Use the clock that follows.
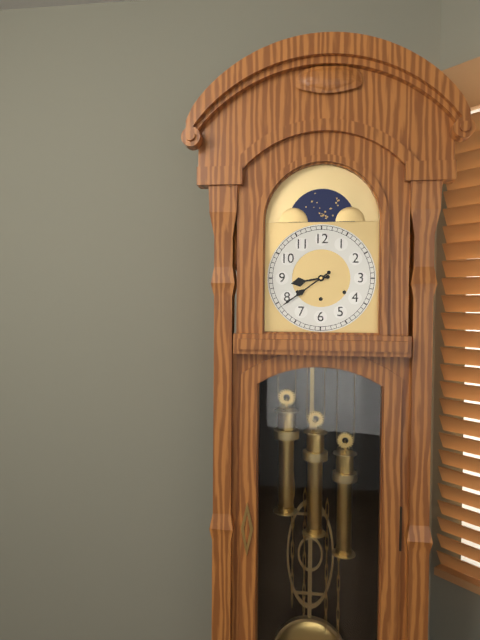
8:39
